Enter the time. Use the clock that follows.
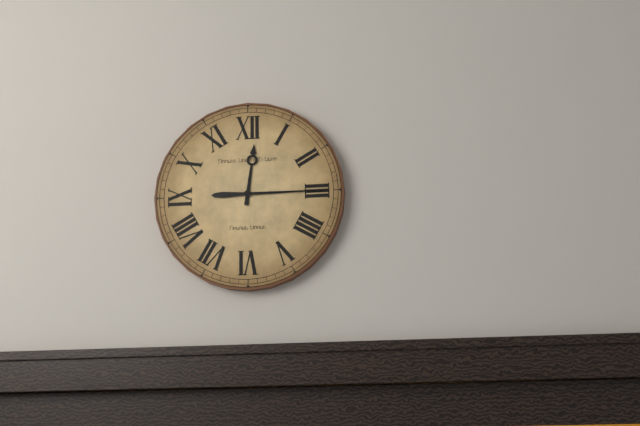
12:15
